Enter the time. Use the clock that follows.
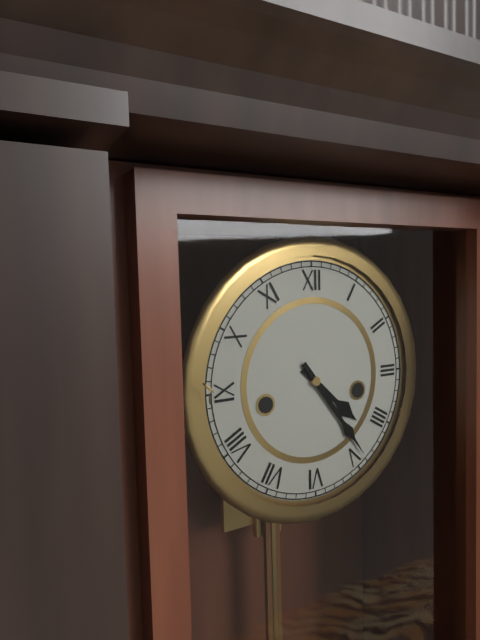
4:24
